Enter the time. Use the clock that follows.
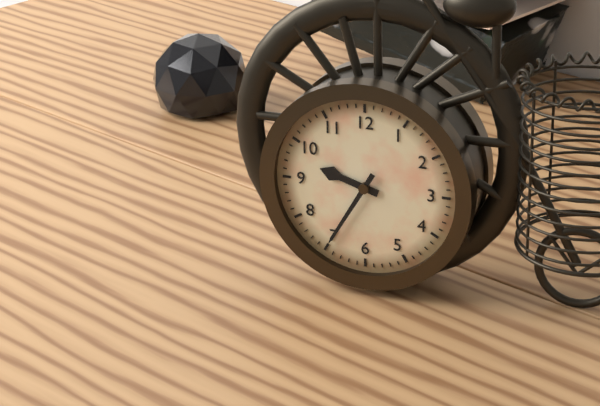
9:35
